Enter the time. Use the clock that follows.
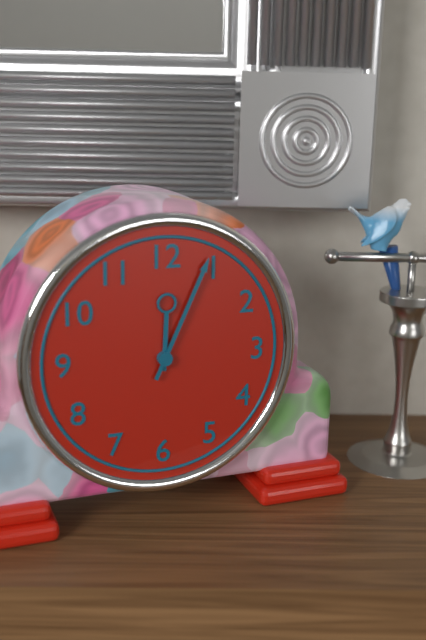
12:04
